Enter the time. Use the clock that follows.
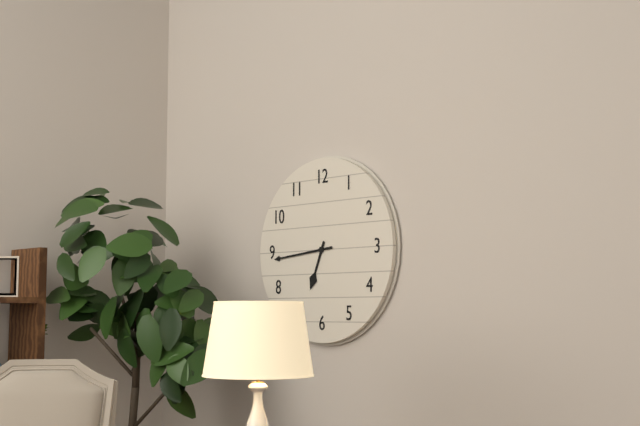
6:44
